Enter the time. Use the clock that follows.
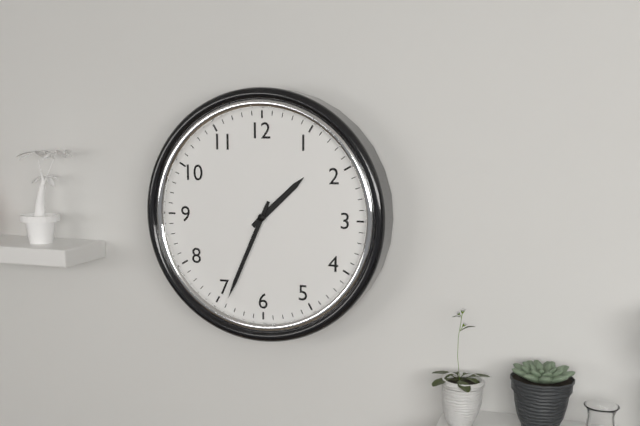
1:34
